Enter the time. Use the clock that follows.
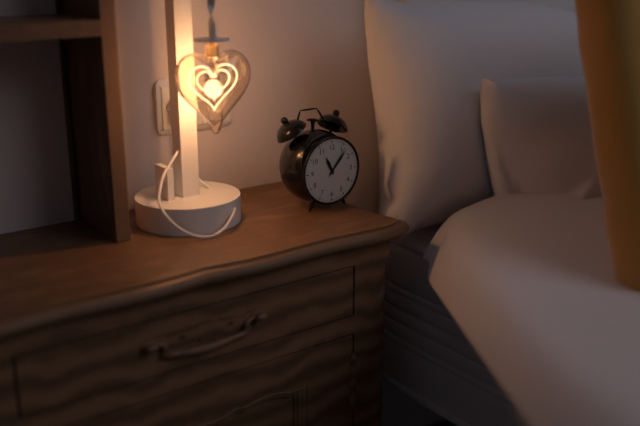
11:07
